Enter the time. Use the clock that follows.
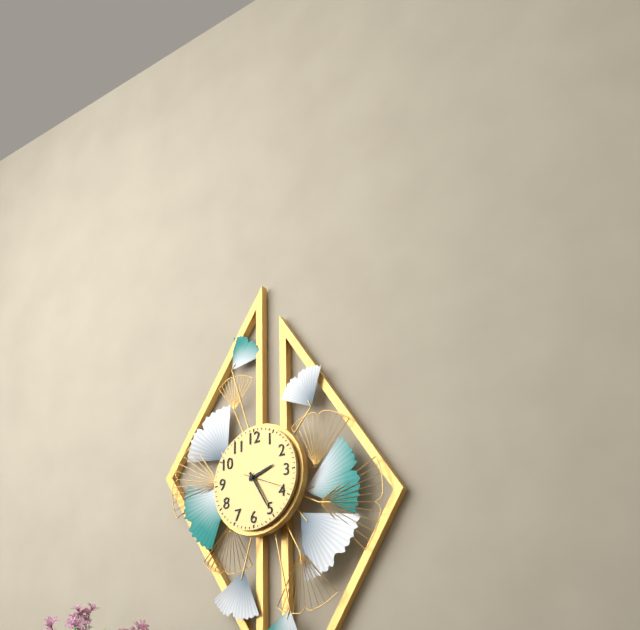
2:25
